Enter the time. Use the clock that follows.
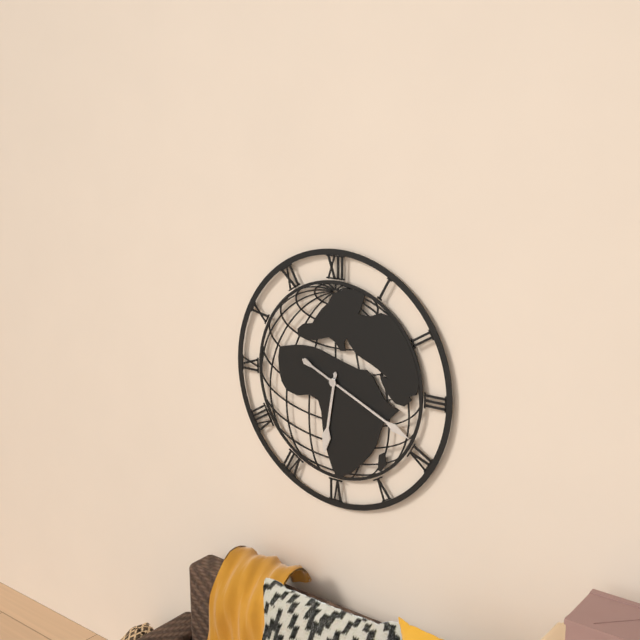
6:19
